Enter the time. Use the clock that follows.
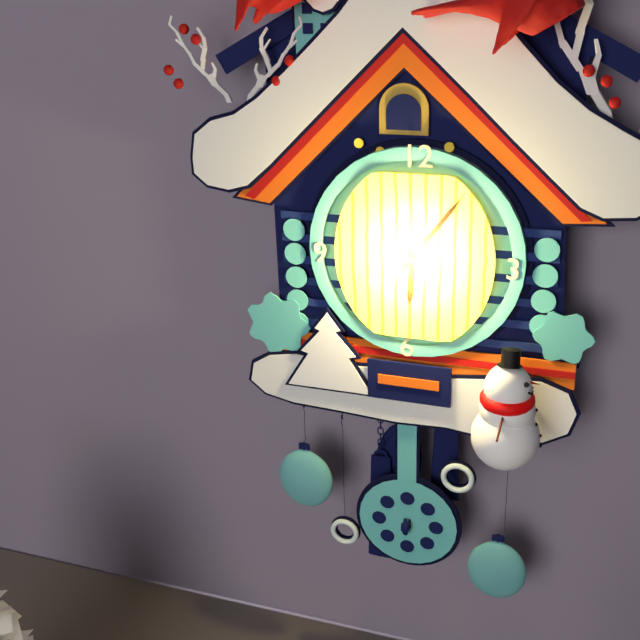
6:06
